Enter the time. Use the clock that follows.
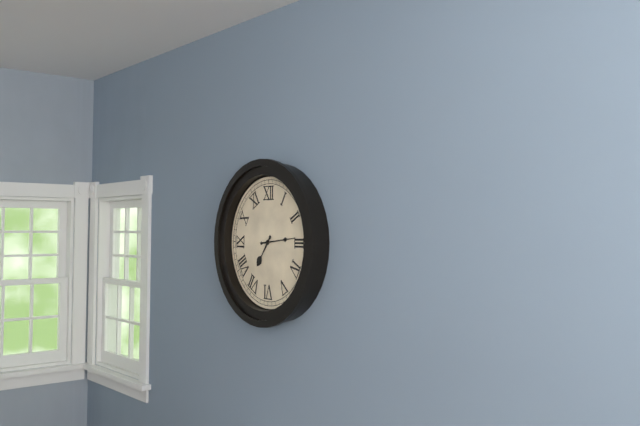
7:14
